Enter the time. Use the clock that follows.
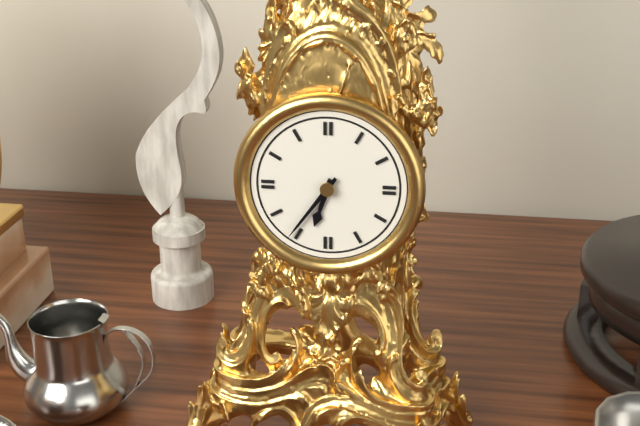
6:36
